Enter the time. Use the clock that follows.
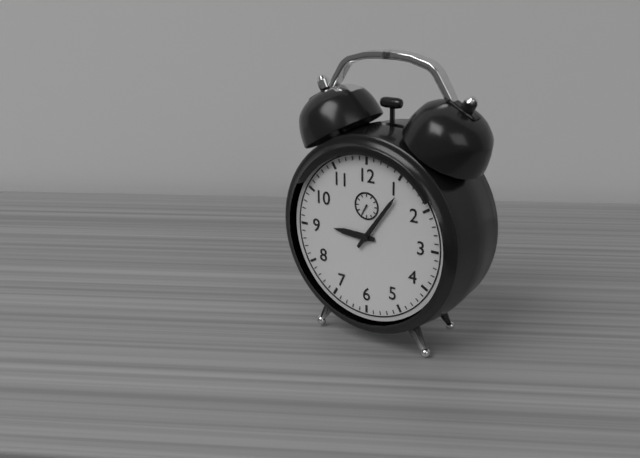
9:06
